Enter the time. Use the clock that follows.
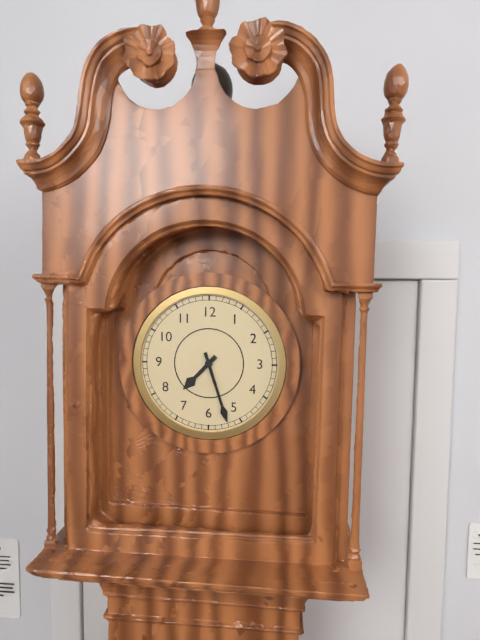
7:27
